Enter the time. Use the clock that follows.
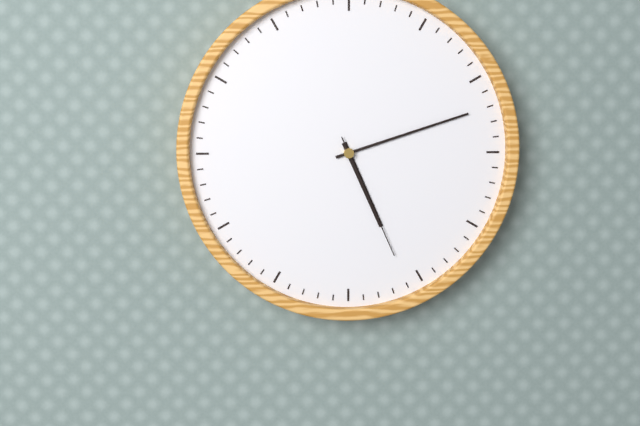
5:12:26
